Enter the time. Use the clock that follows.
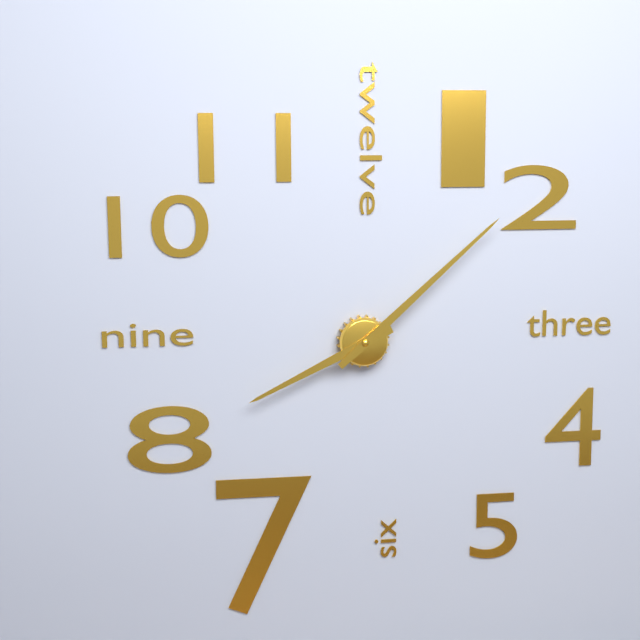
8:08
